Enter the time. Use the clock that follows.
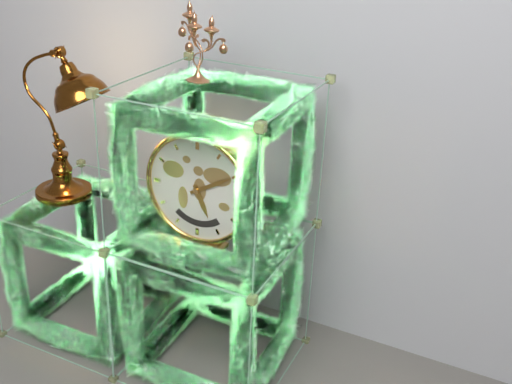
5:10
